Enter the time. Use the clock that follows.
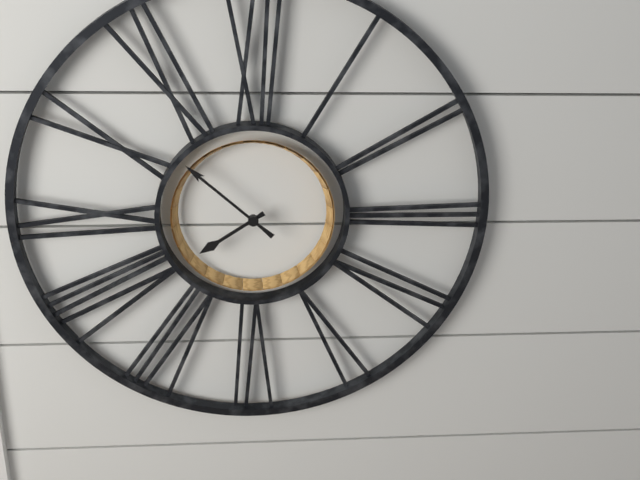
7:52
